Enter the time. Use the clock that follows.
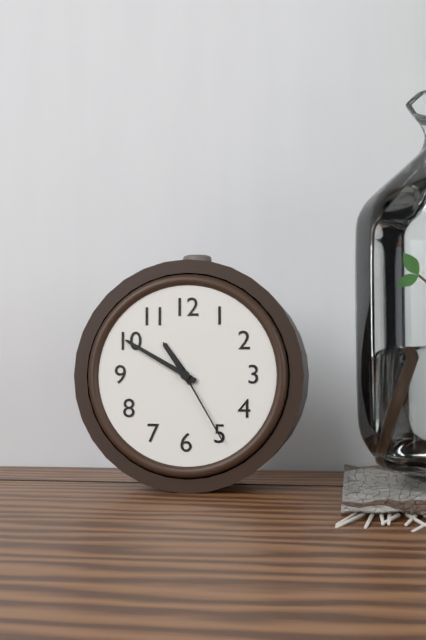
10:50:25
